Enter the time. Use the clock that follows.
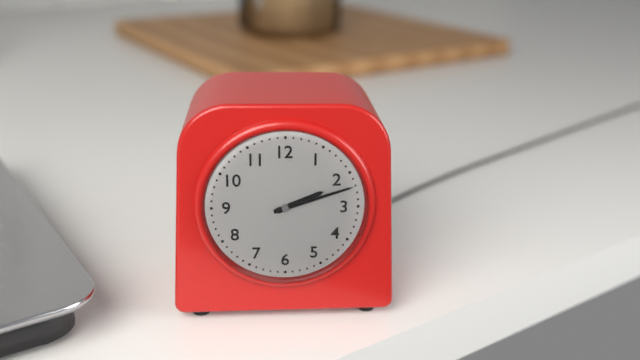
2:12
